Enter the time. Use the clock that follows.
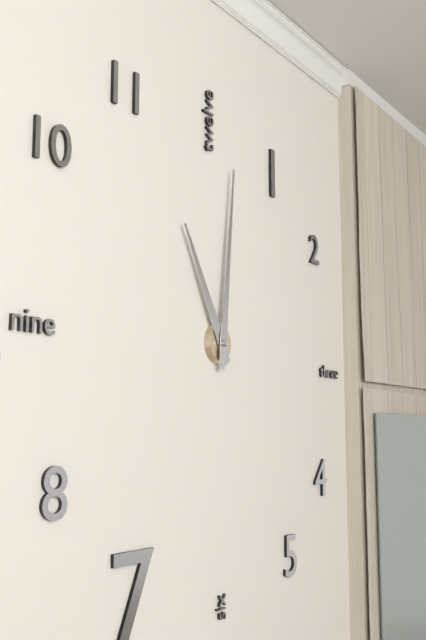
11:01
